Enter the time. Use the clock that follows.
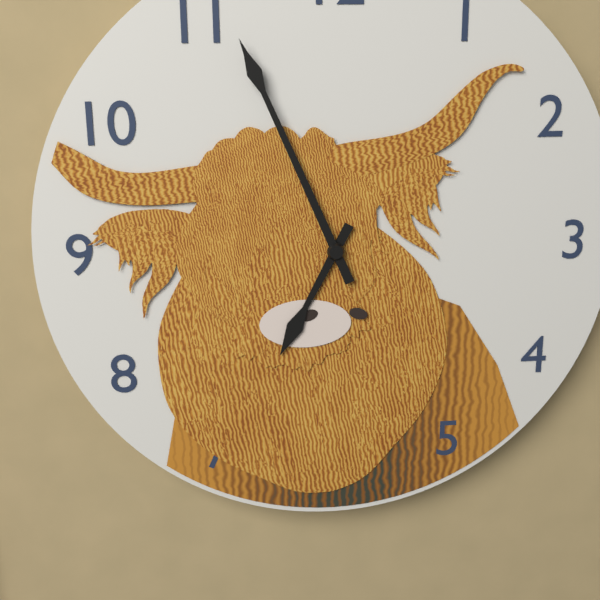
6:56
